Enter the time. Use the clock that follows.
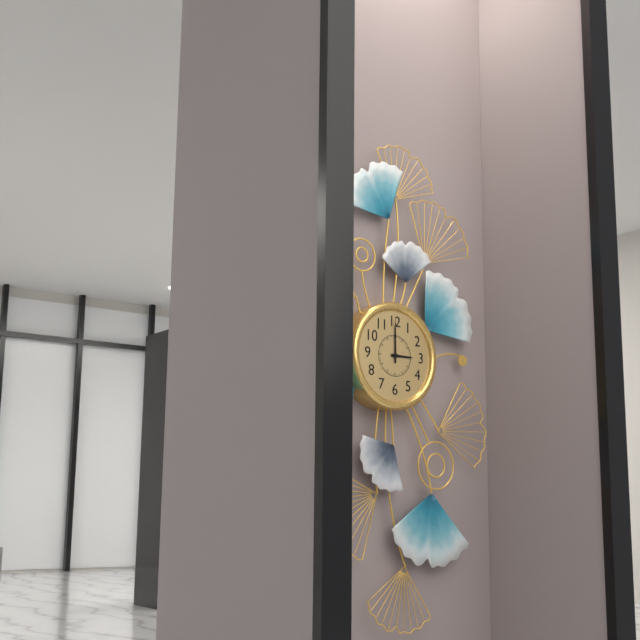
3:00
